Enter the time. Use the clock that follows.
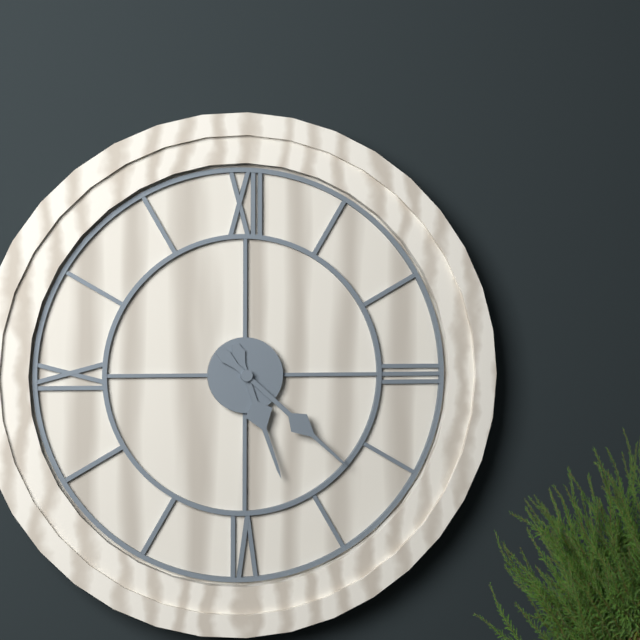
5:22
